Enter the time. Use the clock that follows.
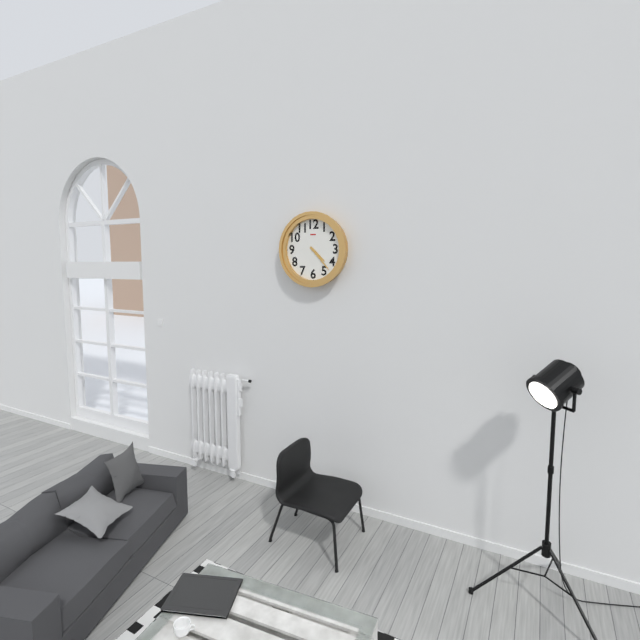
4:23
